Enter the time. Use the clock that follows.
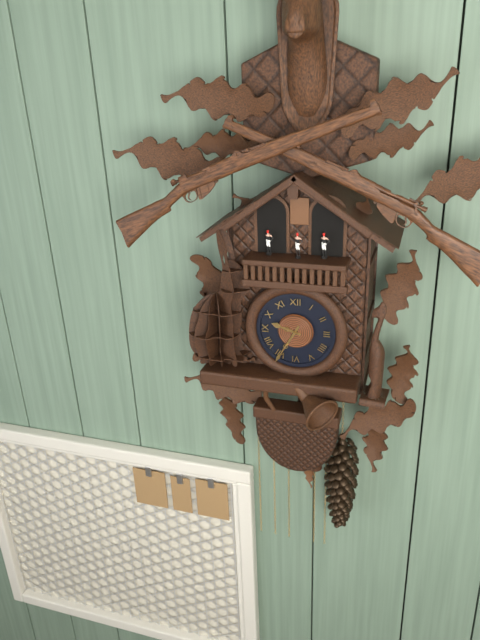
9:35
